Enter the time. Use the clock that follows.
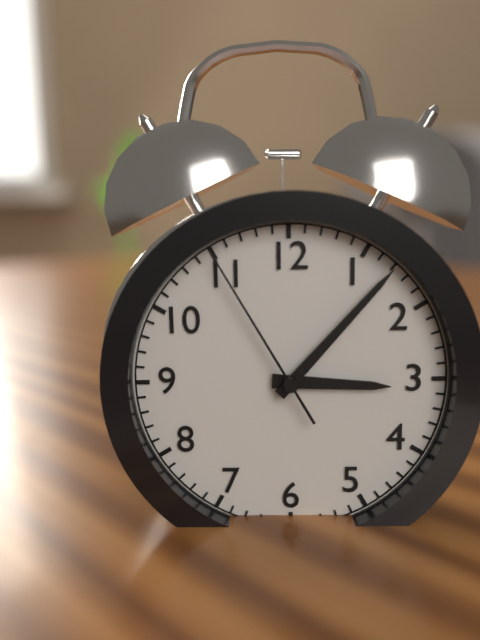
3:07:55
